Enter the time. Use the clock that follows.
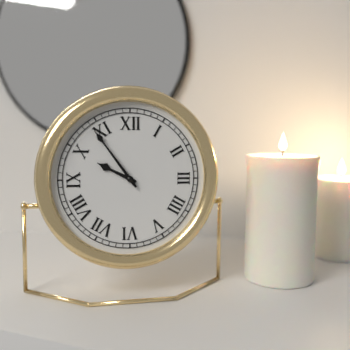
9:54
